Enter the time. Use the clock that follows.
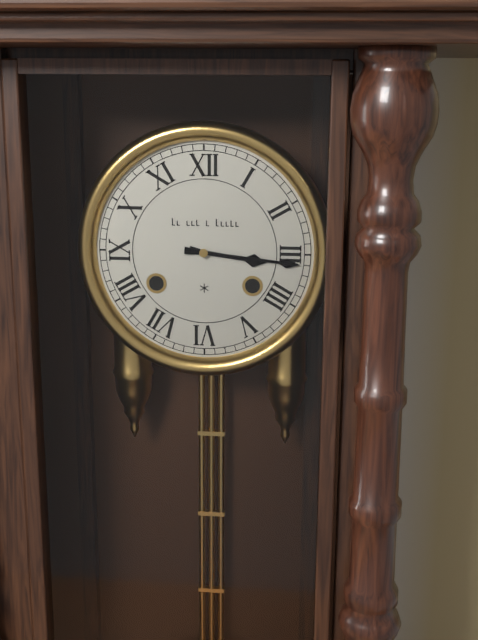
3:16
